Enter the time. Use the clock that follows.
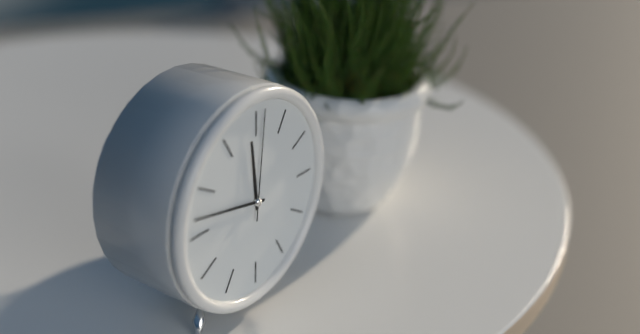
11:47:01
